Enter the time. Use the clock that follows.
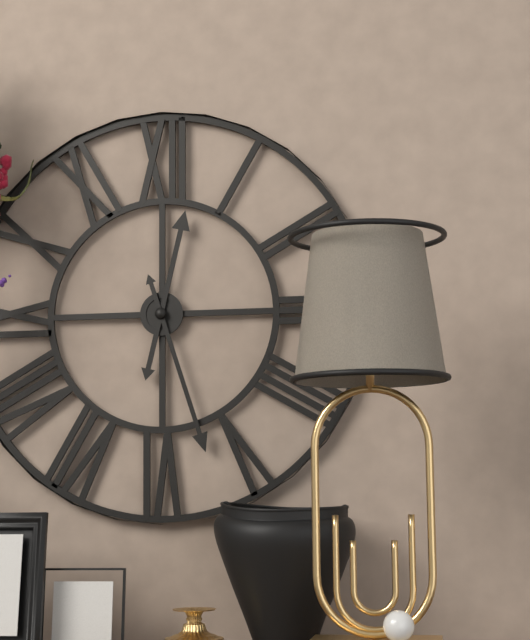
12:27
